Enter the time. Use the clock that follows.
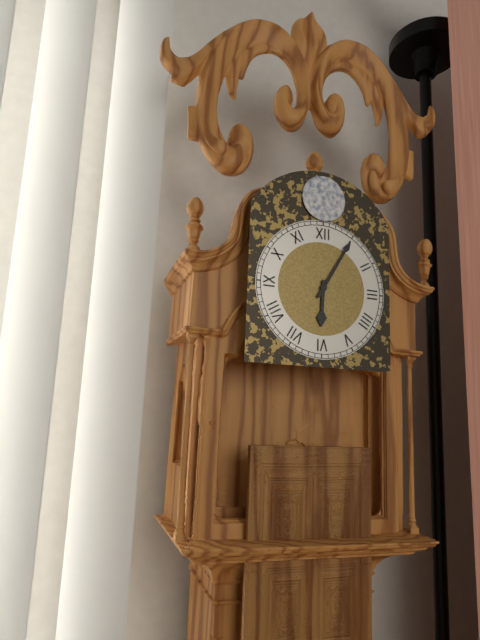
6:05
